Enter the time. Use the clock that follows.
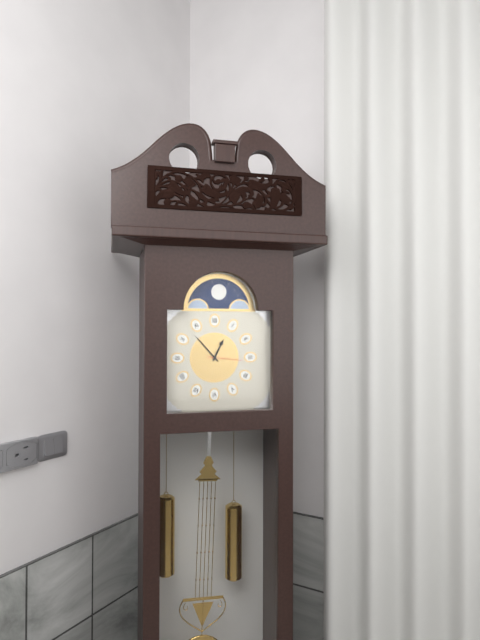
12:53
